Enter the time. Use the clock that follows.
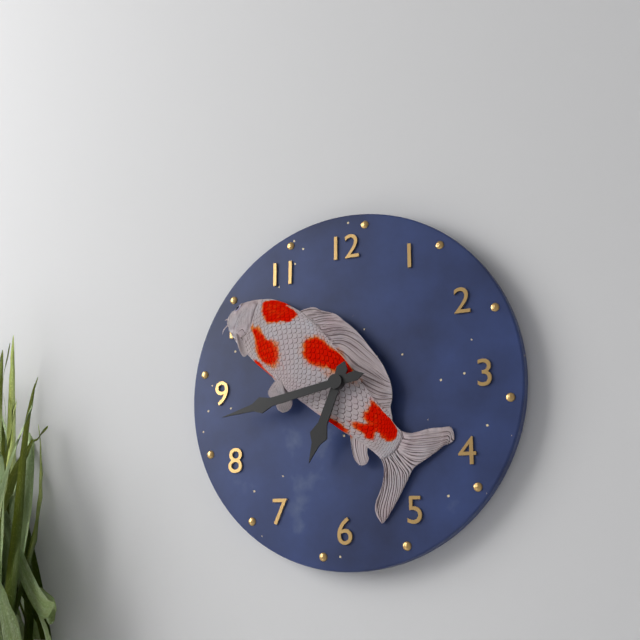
6:43
